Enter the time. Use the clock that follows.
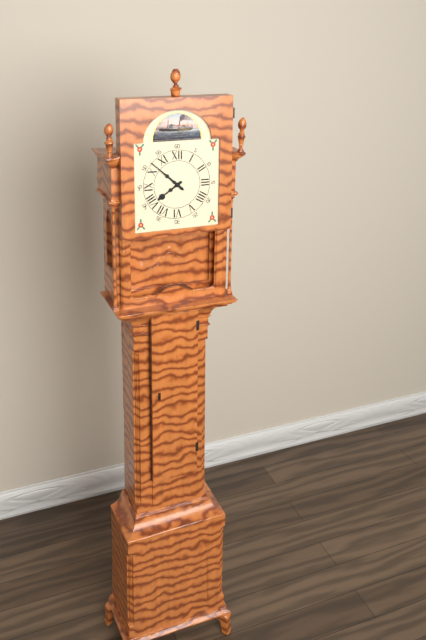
7:52
